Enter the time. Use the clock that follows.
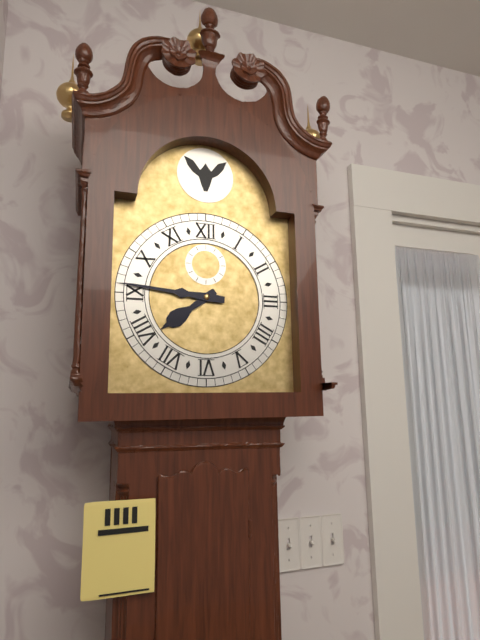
7:46
